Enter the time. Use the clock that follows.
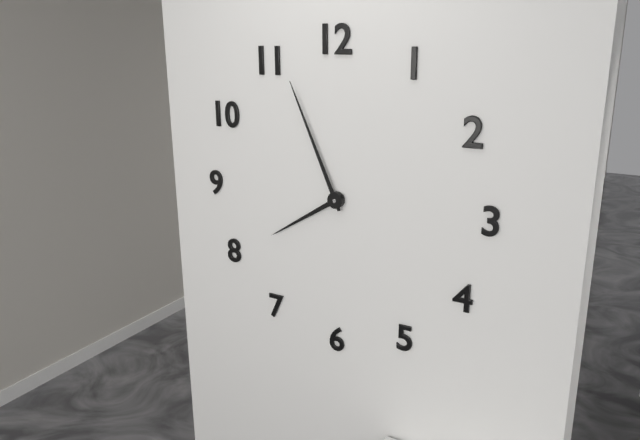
7:56
